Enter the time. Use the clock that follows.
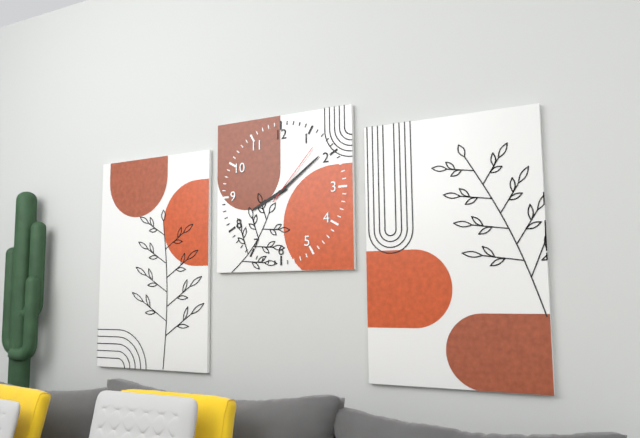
8:09:07
